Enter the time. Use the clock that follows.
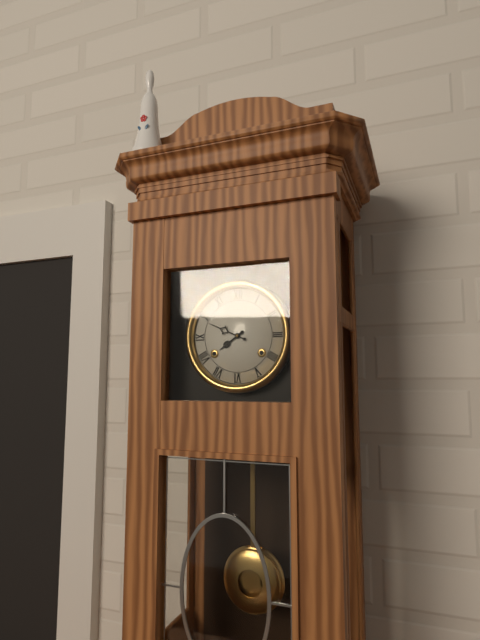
7:49
